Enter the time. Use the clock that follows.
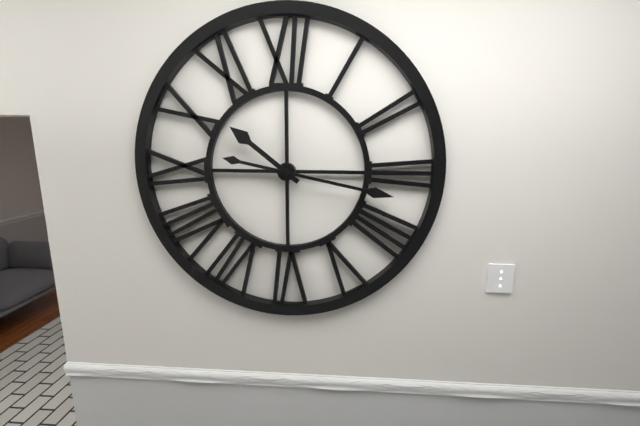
10:17
